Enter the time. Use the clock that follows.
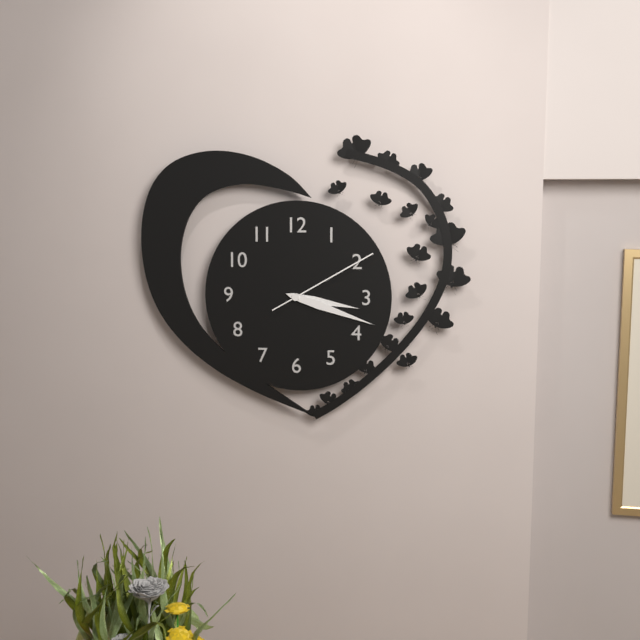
3:18:10
